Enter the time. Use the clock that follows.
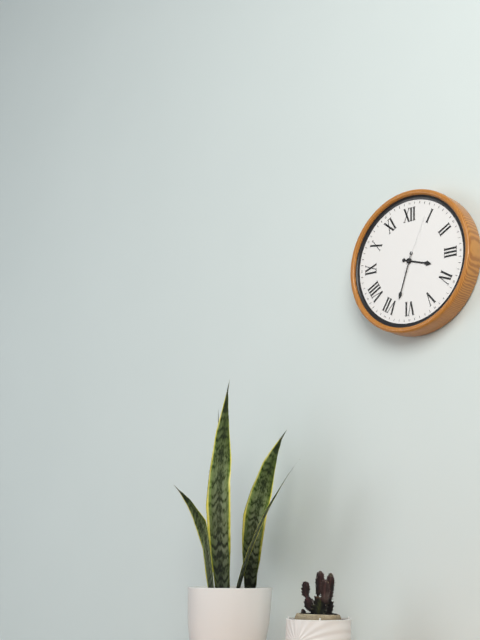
3:33:04
